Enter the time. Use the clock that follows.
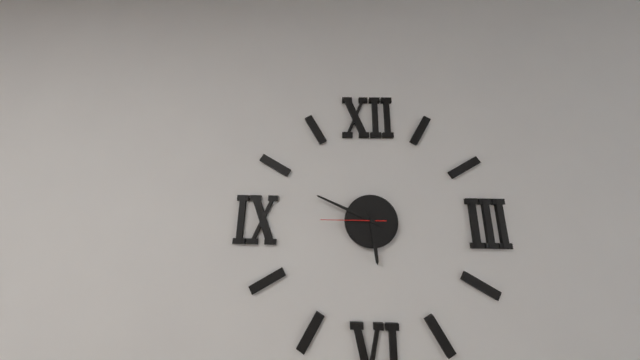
5:49:45
